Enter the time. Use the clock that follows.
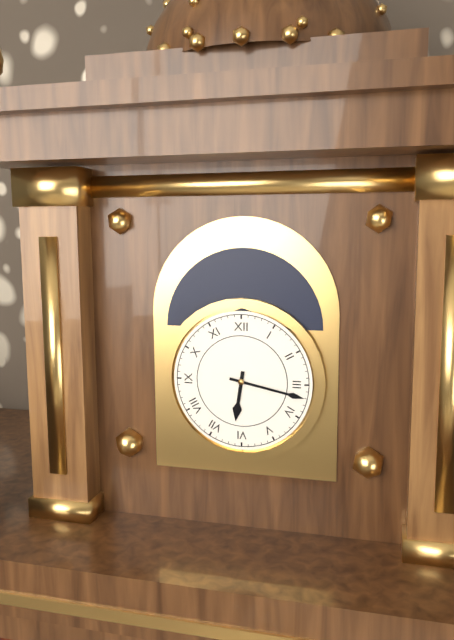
6:17
